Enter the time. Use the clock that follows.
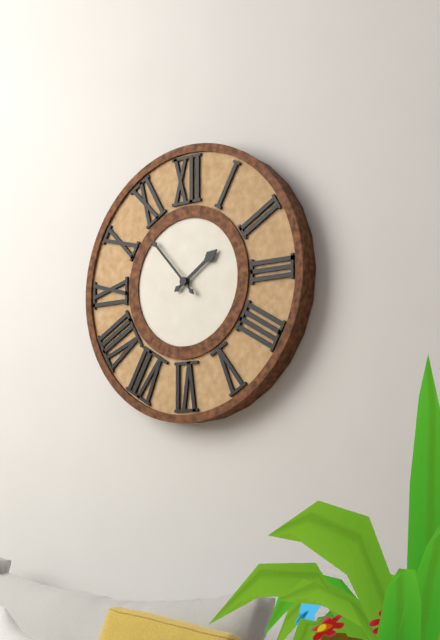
1:53
